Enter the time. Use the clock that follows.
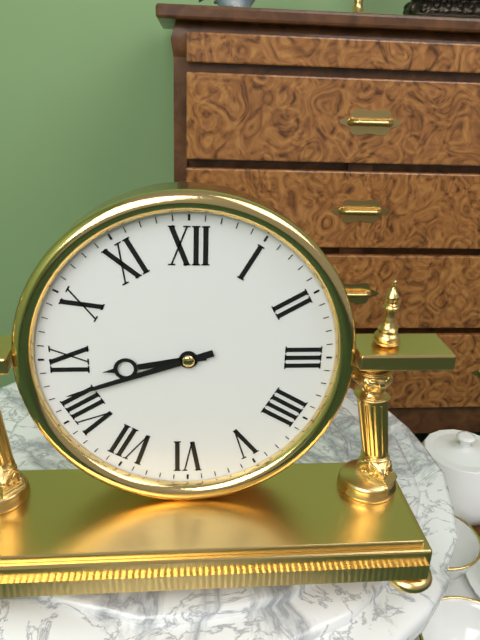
8:42
